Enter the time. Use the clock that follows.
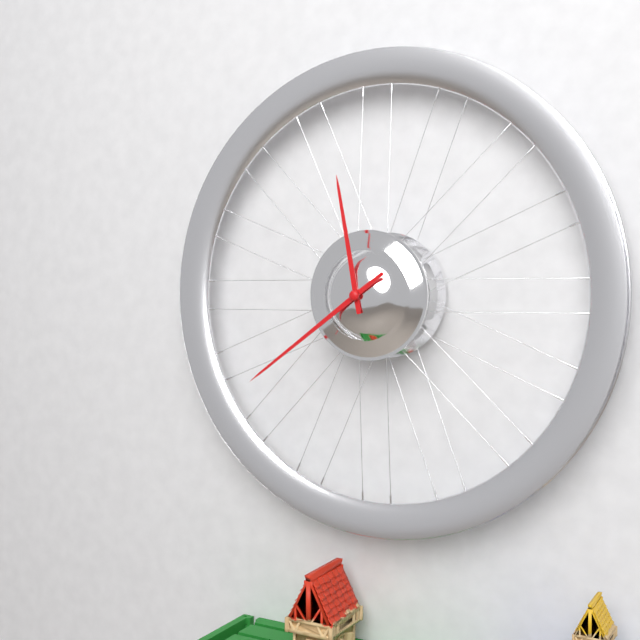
11:39
